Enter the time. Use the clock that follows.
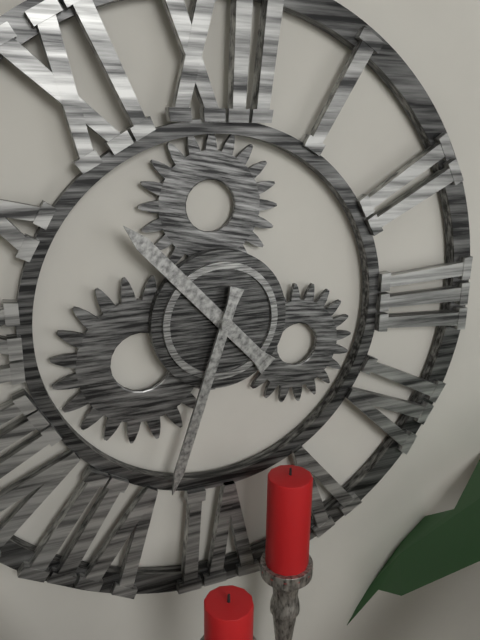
10:33
